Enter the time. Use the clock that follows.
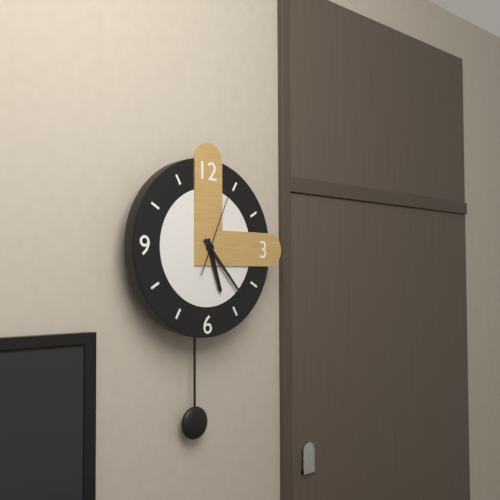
5:23:04
